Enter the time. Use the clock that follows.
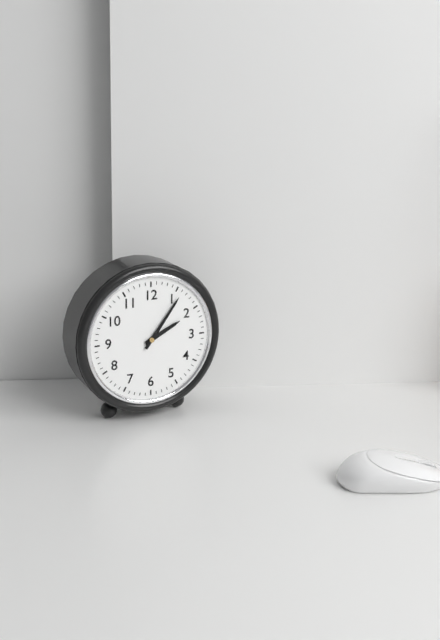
2:06
